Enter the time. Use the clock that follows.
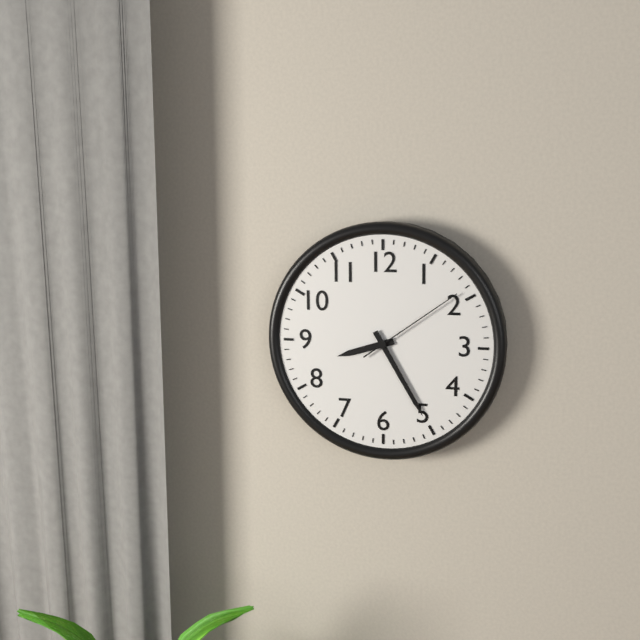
8:25:09
